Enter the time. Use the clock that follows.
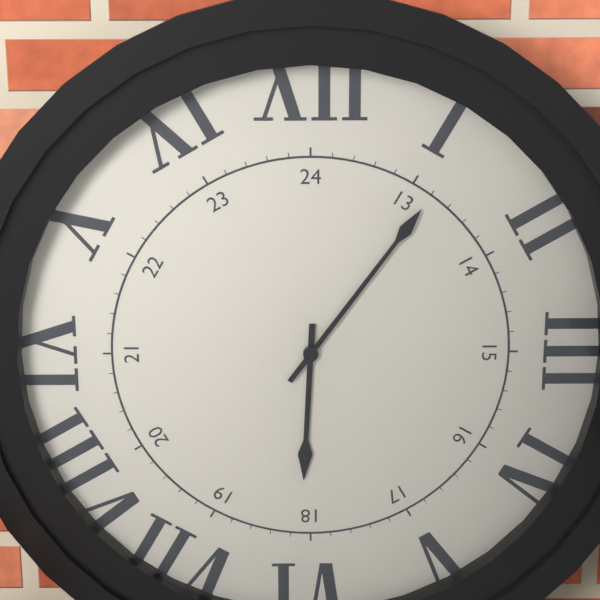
6:06
